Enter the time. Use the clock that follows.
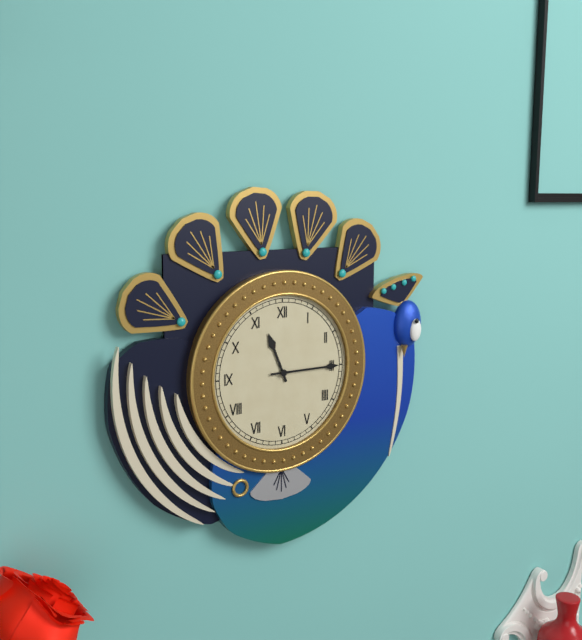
11:15
